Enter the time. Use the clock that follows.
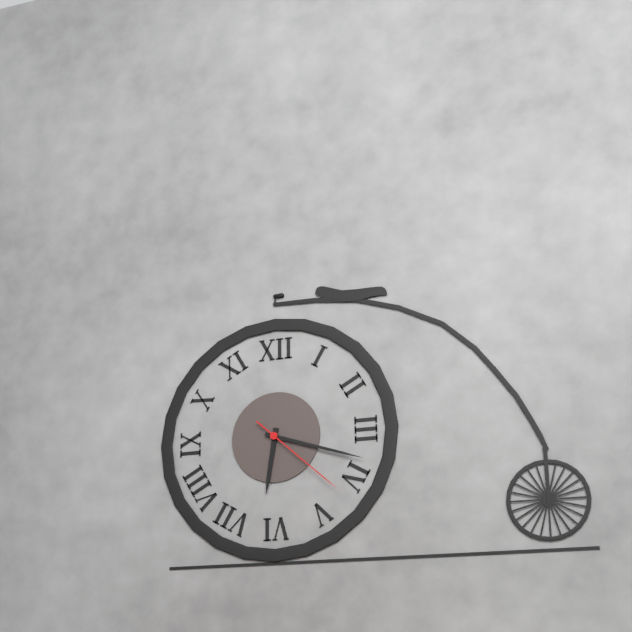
6:18:22
